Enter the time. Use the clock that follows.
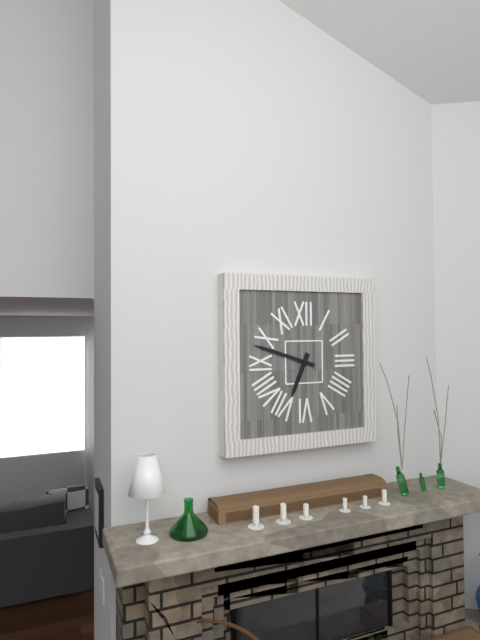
6:48
